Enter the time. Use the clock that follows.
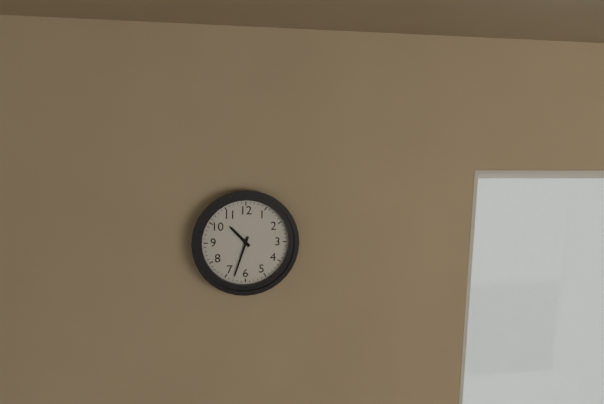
10:33
